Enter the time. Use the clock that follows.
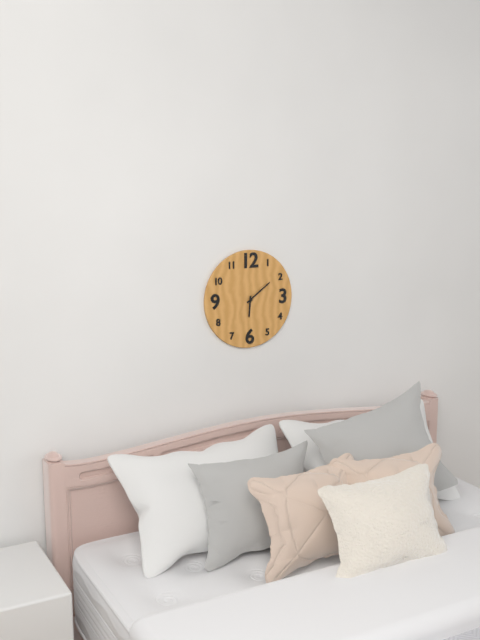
6:09
